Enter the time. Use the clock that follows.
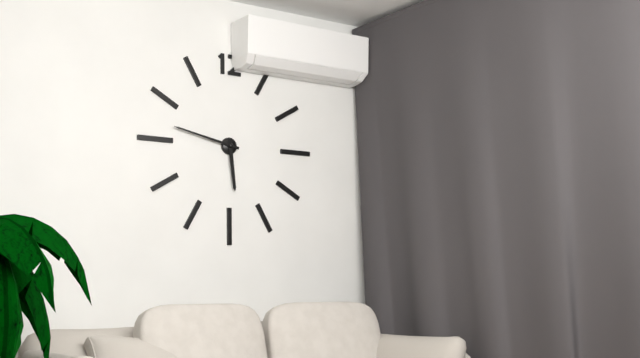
5:47
